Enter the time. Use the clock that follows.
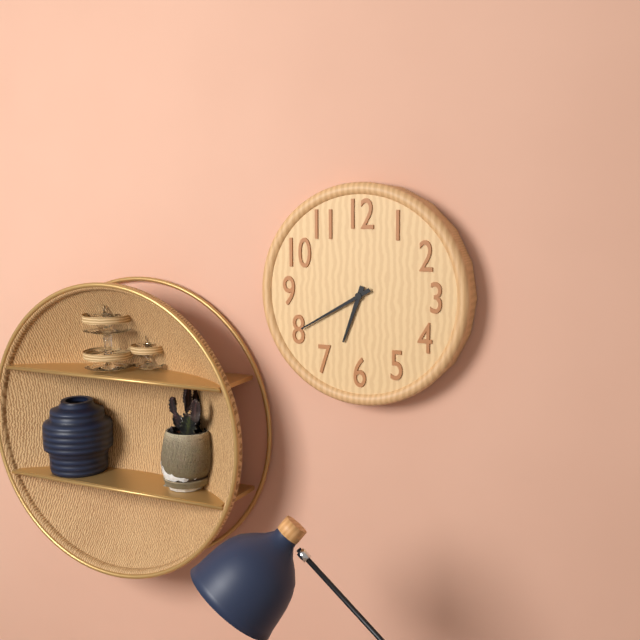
6:40
